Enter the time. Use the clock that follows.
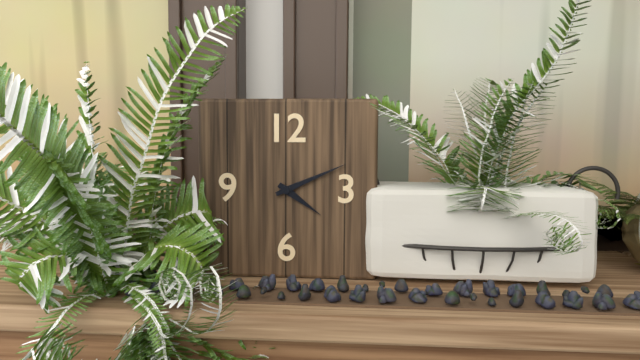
4:11
